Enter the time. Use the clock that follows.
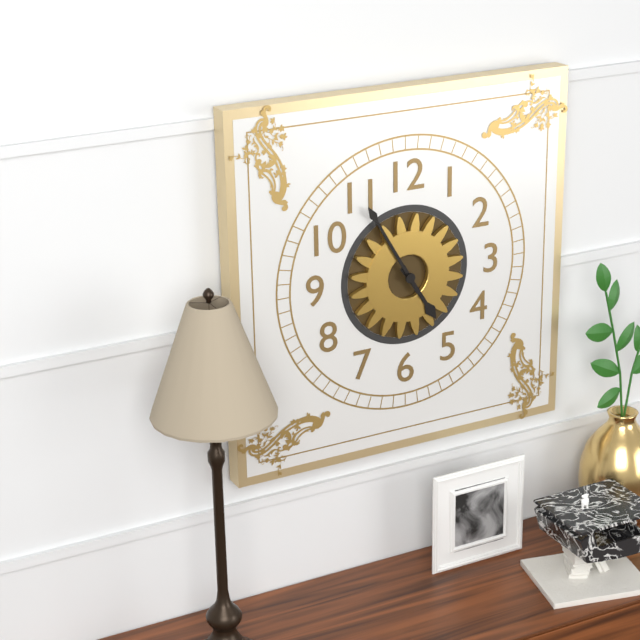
4:55
